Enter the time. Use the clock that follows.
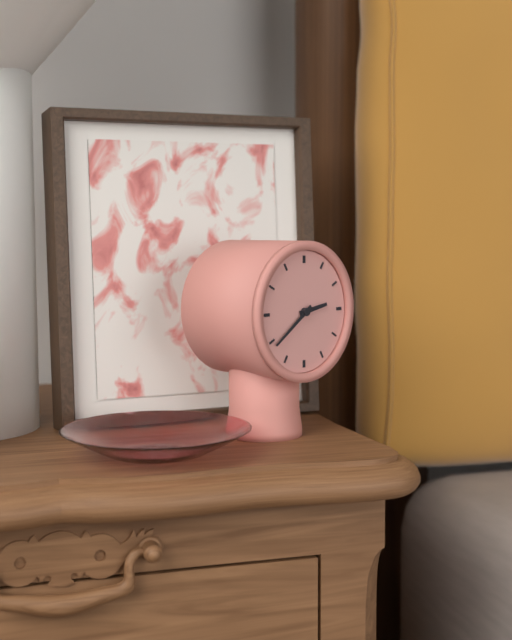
2:39
